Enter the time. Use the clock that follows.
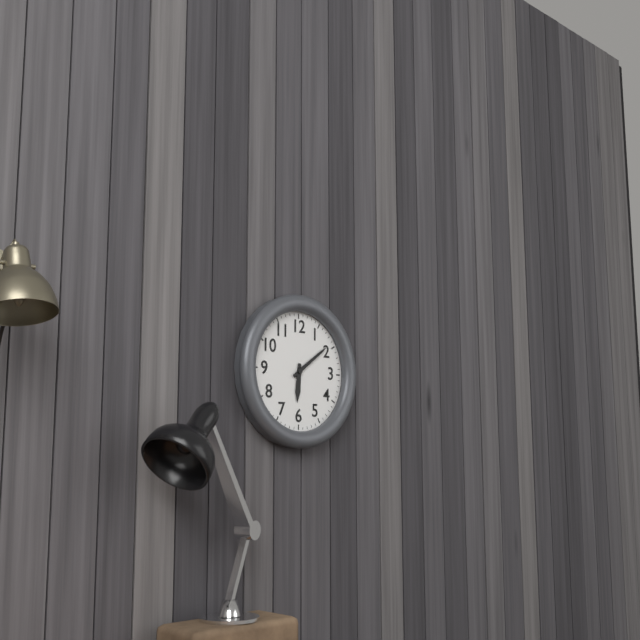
6:09
